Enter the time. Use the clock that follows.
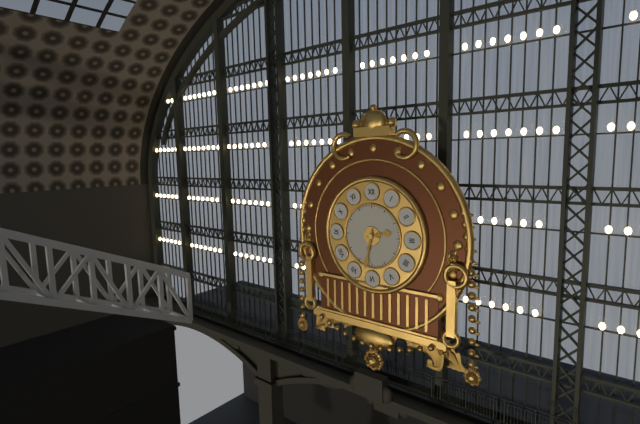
2:32
